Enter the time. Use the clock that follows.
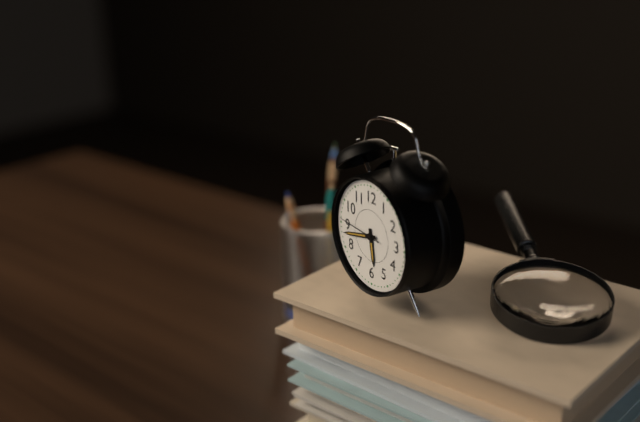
5:43:46
